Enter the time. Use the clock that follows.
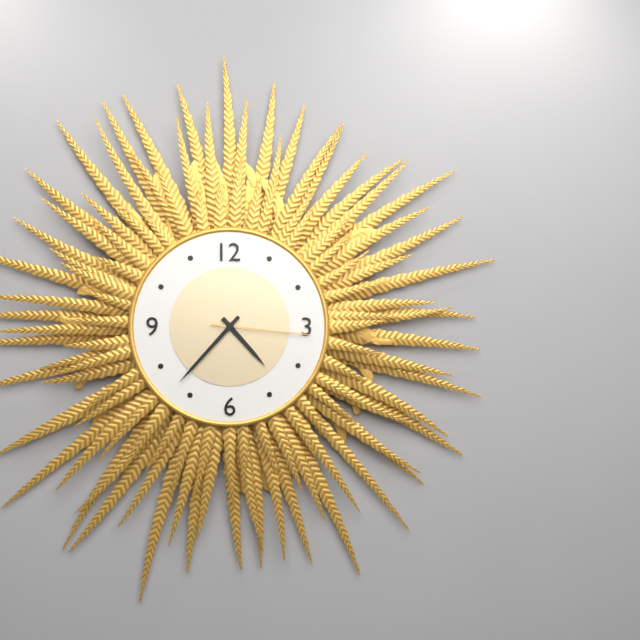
4:37:16
